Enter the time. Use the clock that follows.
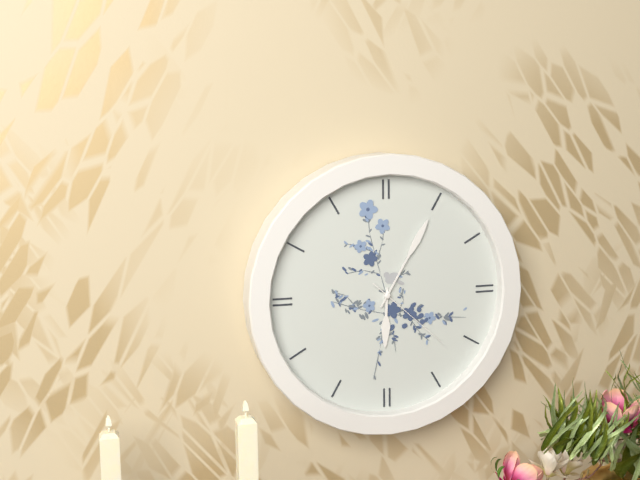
6:05:22
